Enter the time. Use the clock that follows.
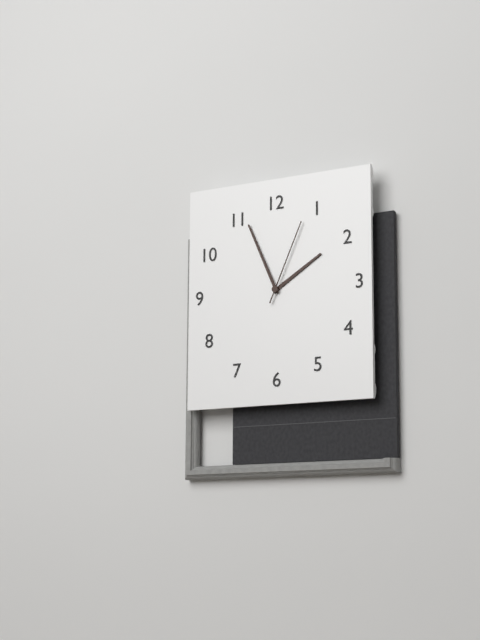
1:56:04
